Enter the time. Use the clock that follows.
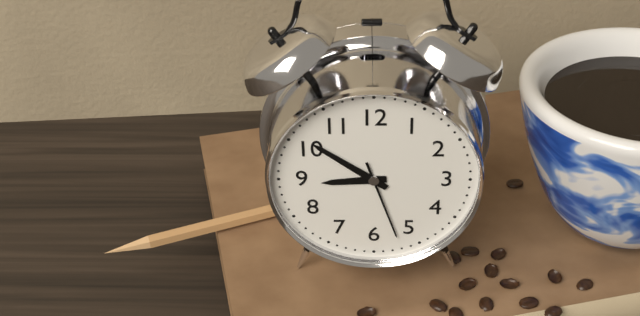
8:51:27
